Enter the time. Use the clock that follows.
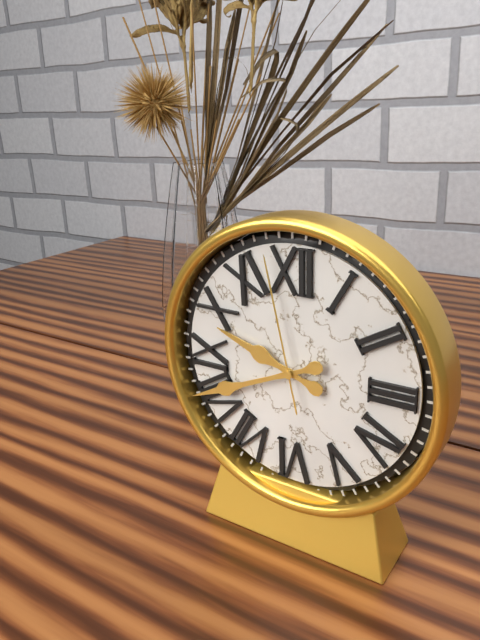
9:41:58
